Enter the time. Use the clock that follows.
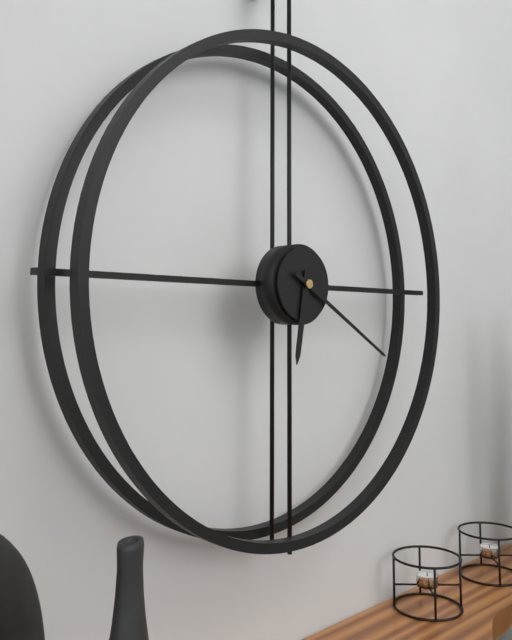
6:20
